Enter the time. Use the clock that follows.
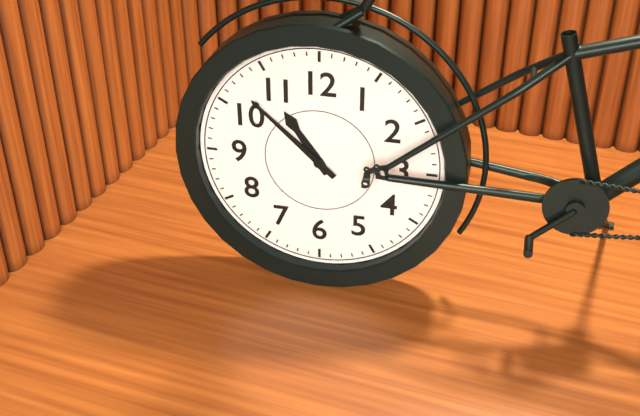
10:52
